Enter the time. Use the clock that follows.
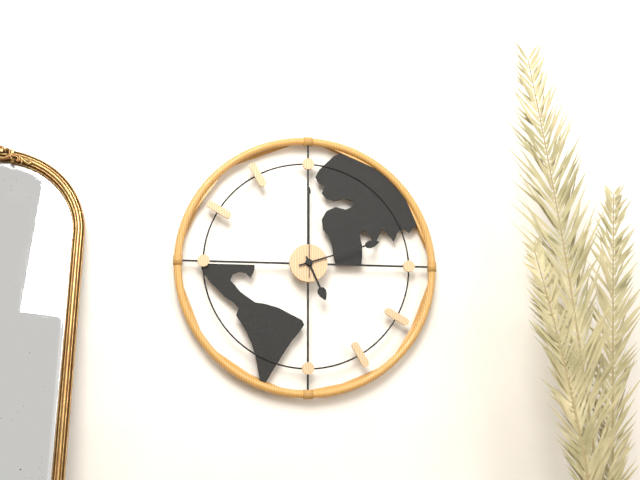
5:12:00
